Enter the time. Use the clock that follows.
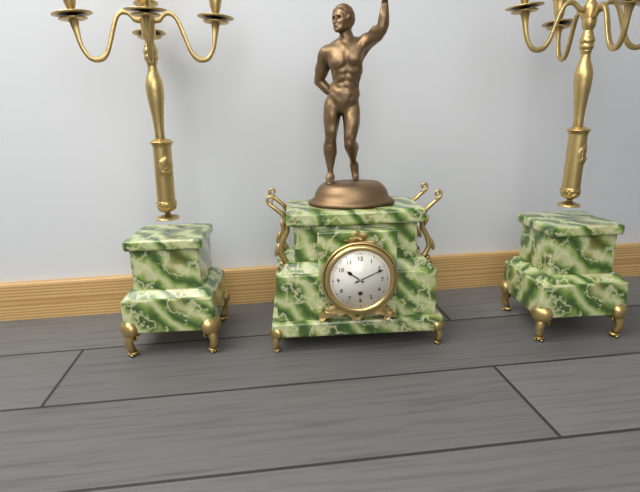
10:11
